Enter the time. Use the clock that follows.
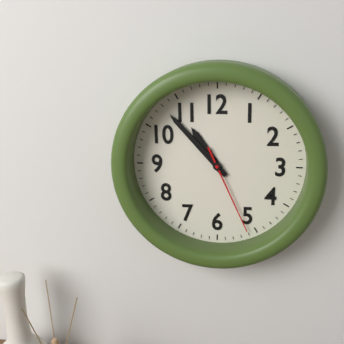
10:53:26
